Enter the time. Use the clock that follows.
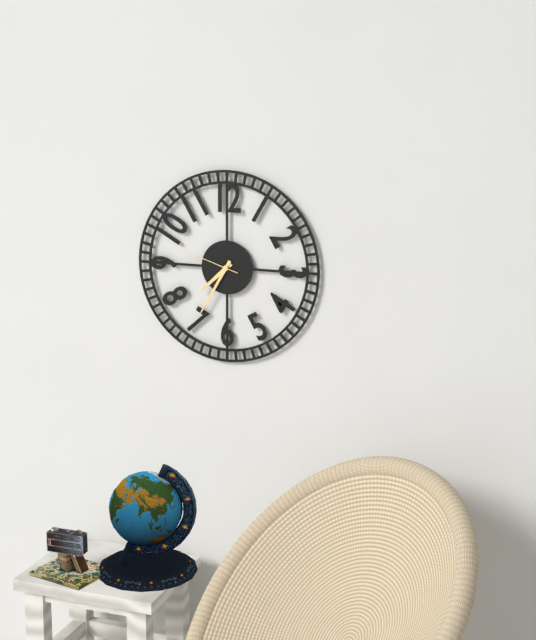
7:35:48
